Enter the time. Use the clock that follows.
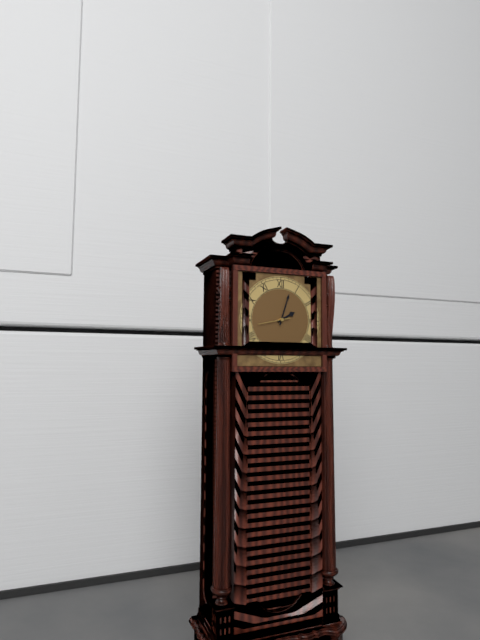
2:03
